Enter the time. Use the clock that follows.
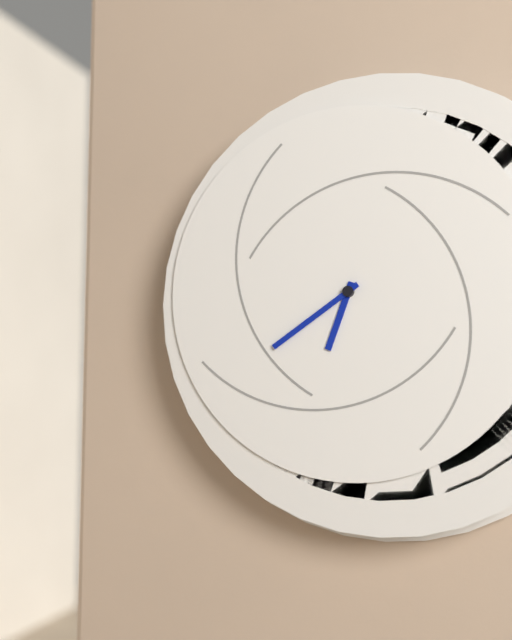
6:39
